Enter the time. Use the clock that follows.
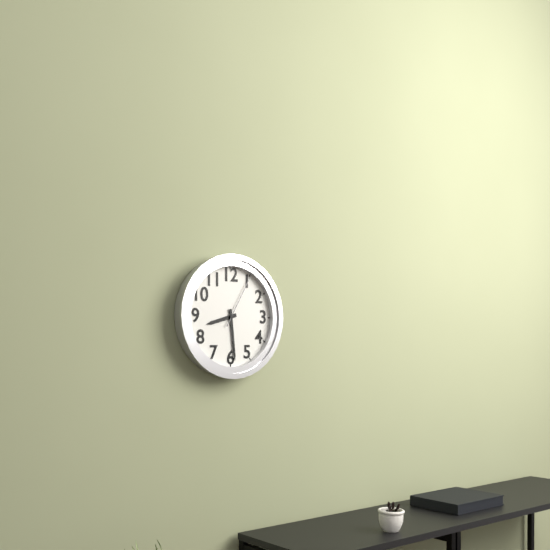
8:29:05
